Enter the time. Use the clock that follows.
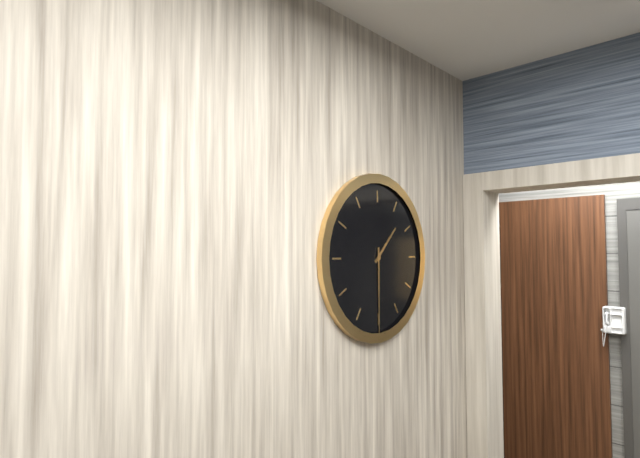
1:30
